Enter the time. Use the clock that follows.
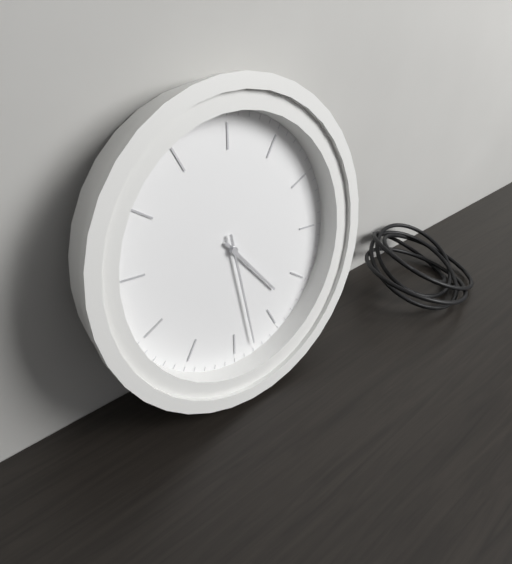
5:33
